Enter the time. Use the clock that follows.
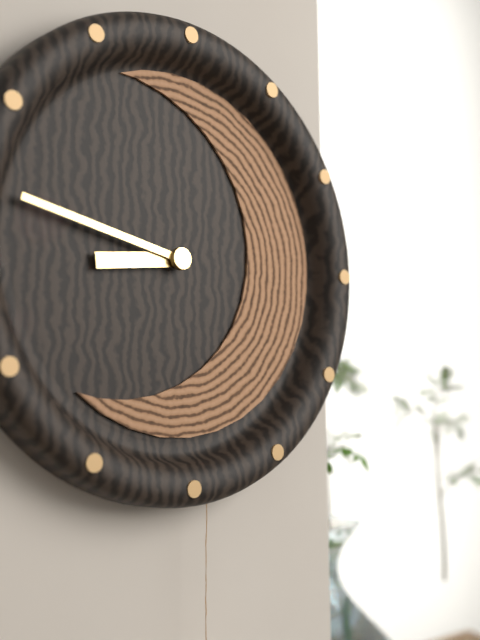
8:47
